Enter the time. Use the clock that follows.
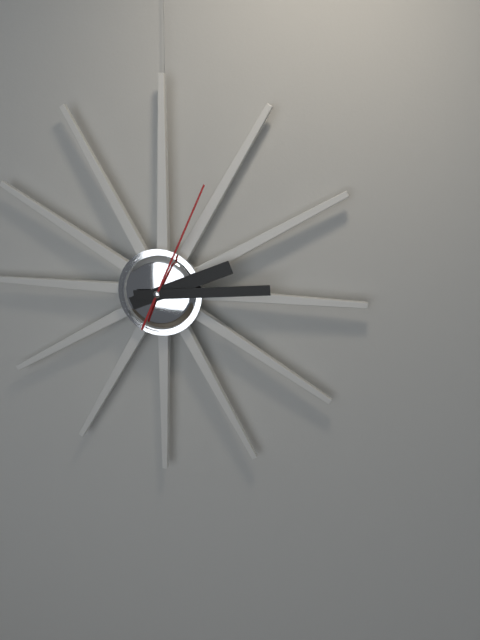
2:14:04
